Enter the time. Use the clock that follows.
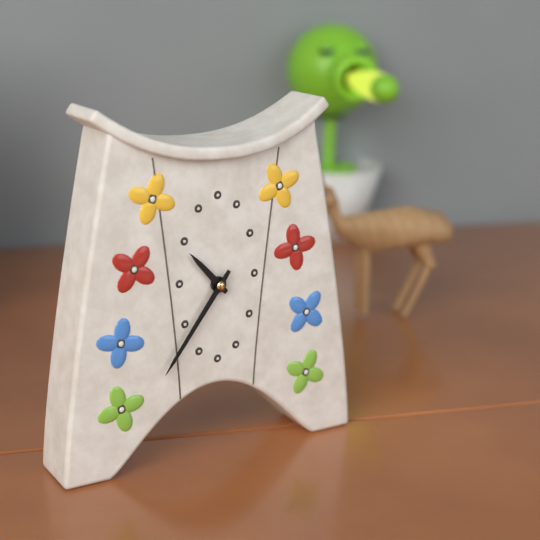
10:36
